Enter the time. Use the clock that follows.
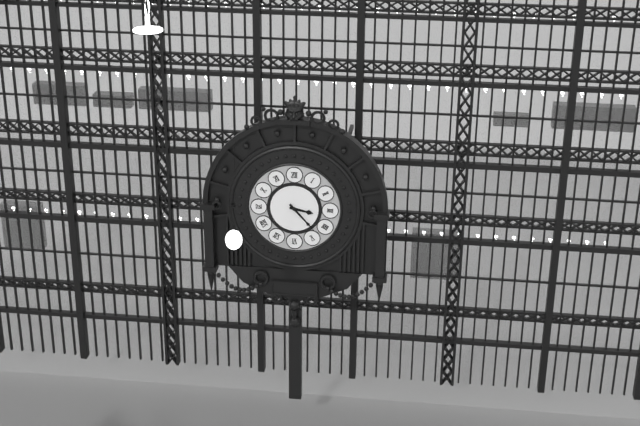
3:23
